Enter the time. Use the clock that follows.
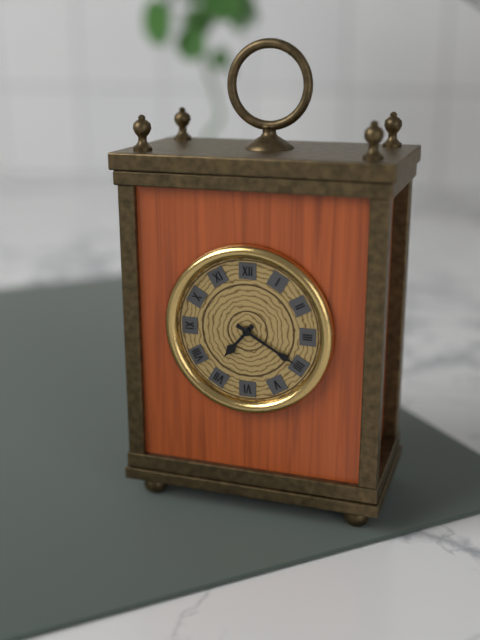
7:20
